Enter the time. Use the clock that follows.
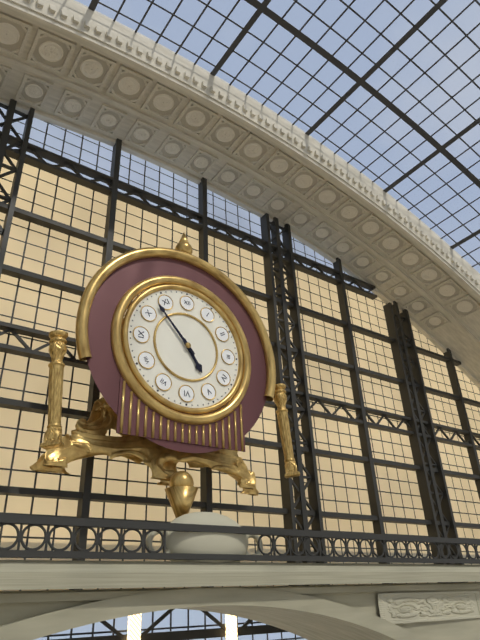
4:53
